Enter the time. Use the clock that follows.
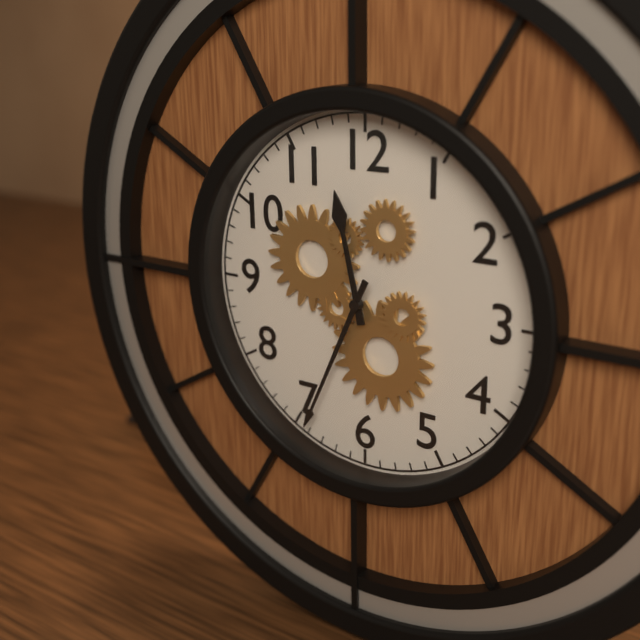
11:34
